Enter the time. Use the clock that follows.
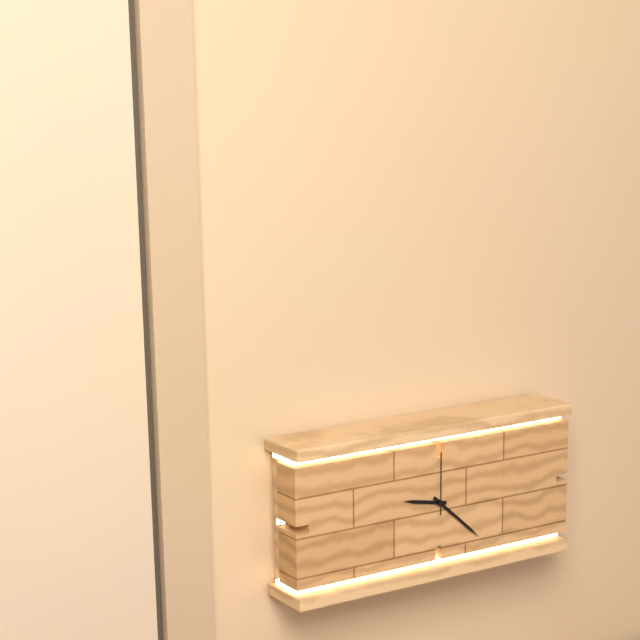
9:22:00
